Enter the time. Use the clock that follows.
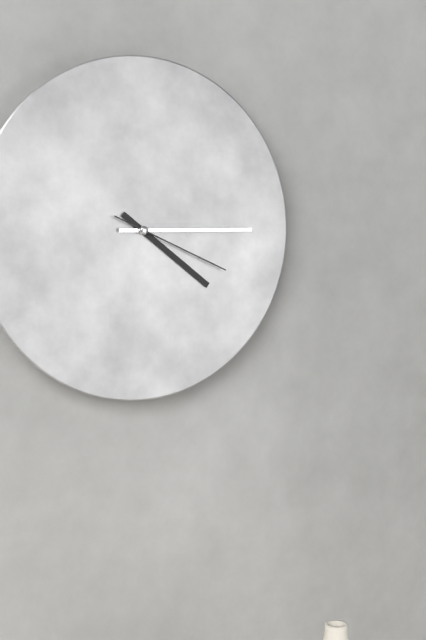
4:15:19
